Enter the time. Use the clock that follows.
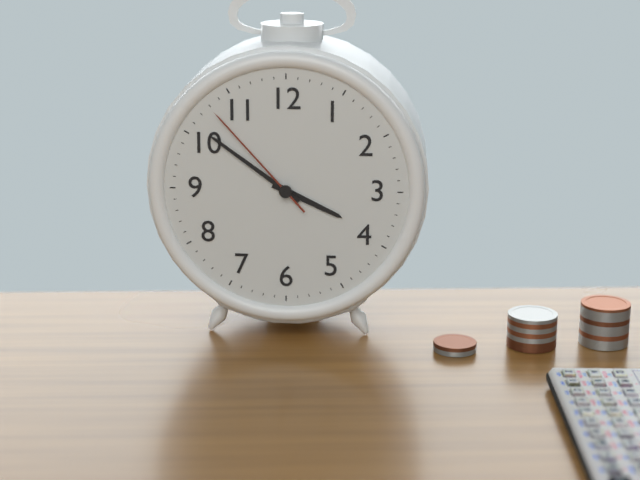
3:51:53
